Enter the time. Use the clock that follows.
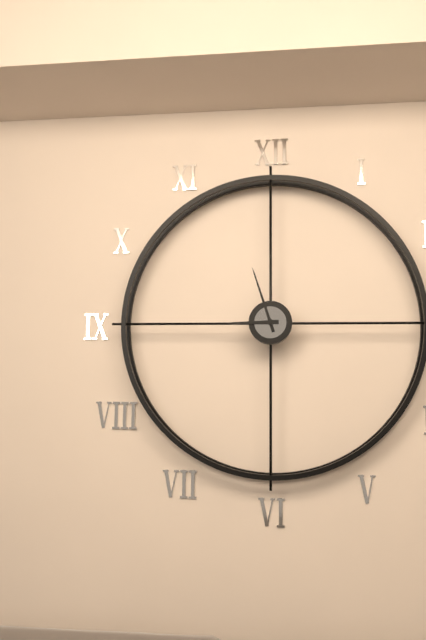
8:57
